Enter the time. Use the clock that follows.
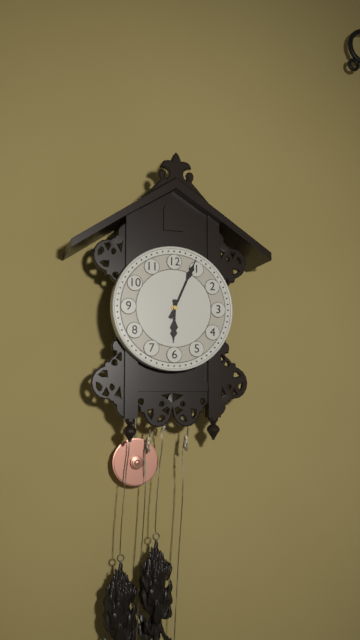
6:04
